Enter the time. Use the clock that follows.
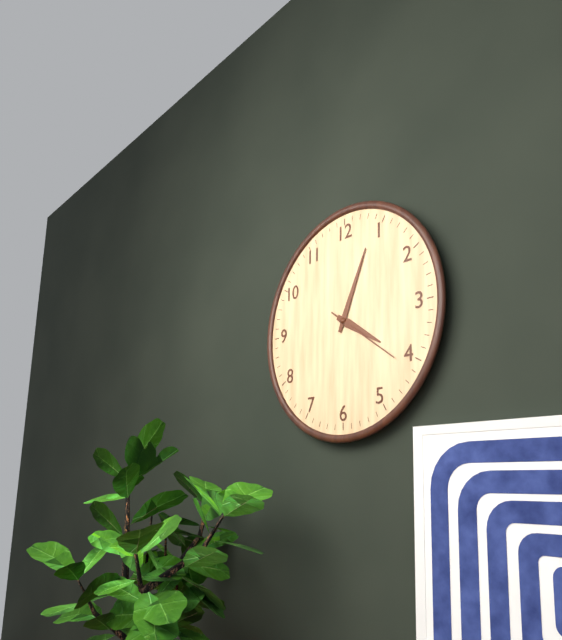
4:04:21
